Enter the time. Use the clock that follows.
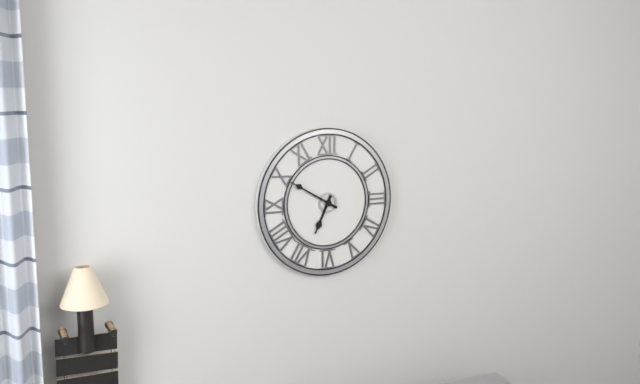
6:50
